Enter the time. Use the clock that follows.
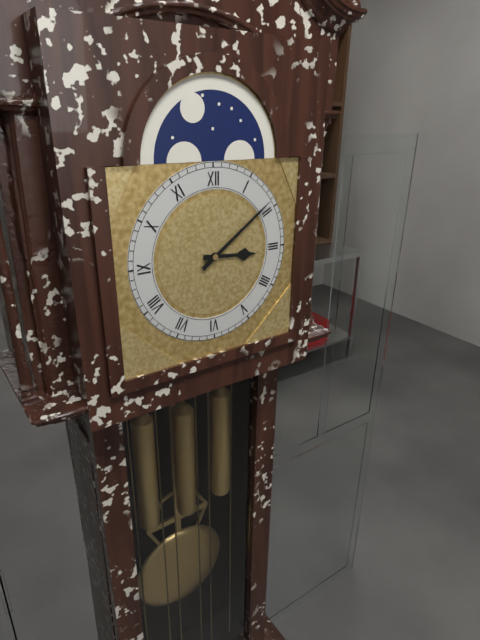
3:09
